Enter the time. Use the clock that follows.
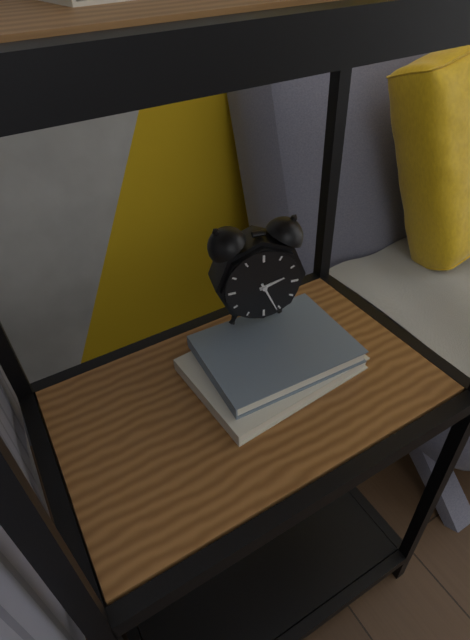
2:26
